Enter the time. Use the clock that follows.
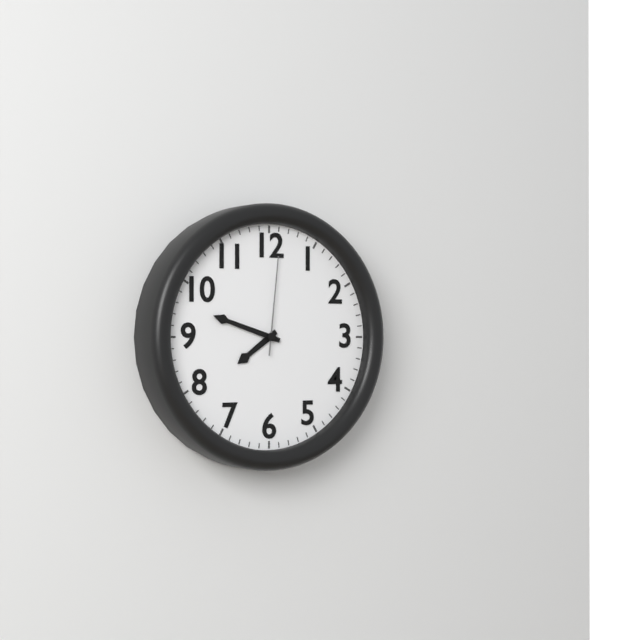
7:48:01
